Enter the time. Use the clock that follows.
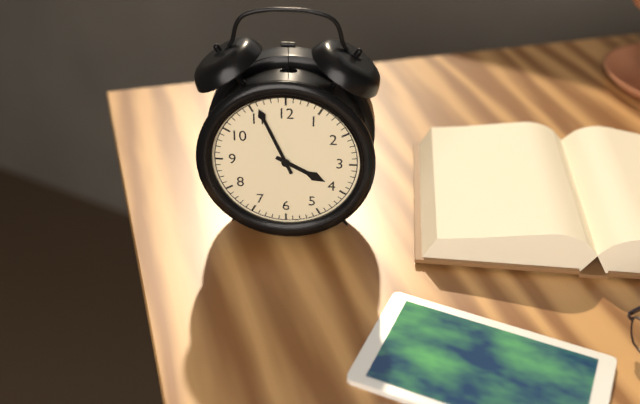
3:56
